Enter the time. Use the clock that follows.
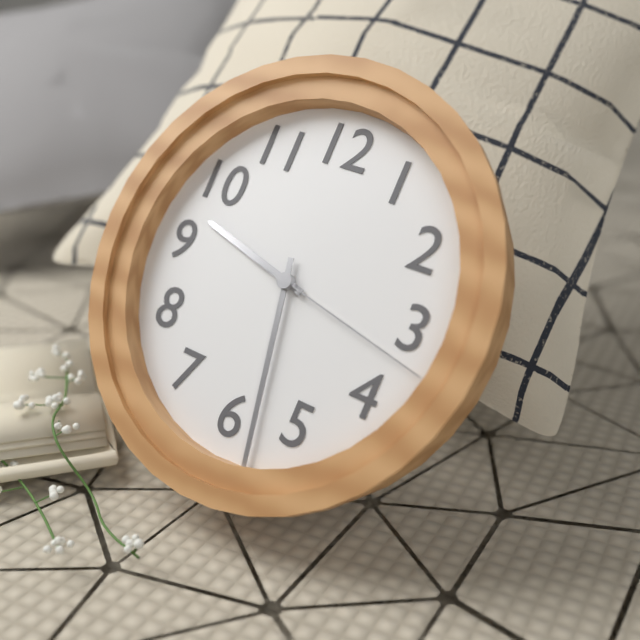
9:28:17
